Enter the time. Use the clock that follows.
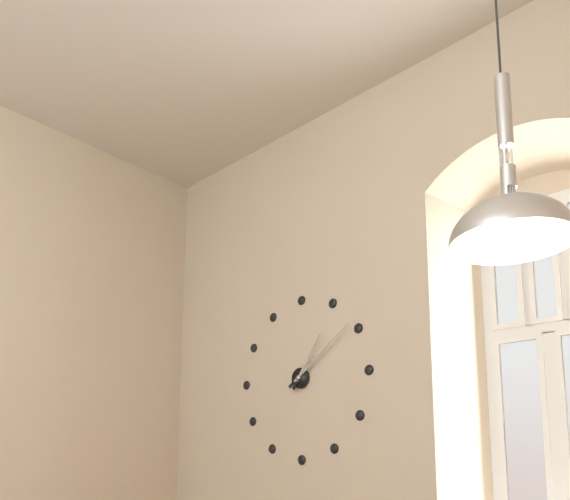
1:09
